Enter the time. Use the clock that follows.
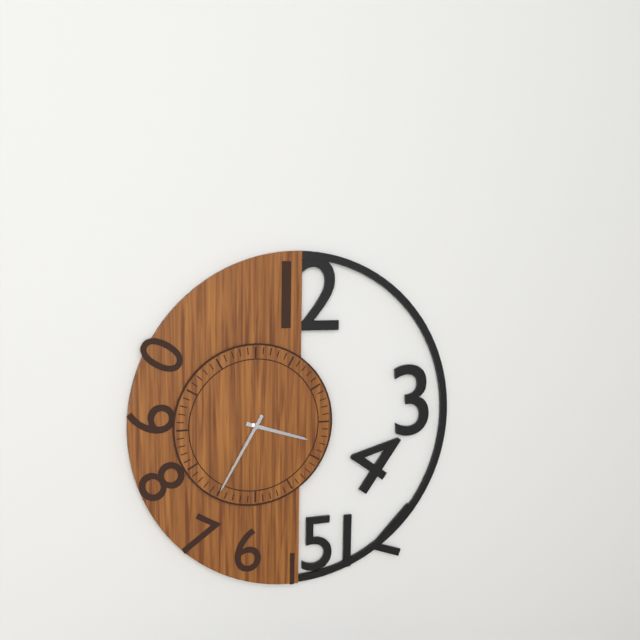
3:35
